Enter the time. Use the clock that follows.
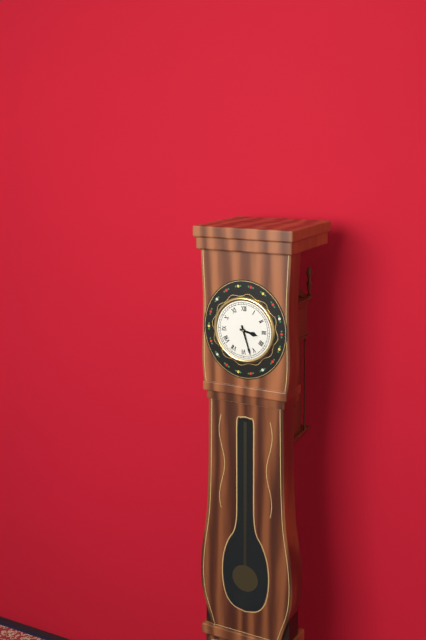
3:27
